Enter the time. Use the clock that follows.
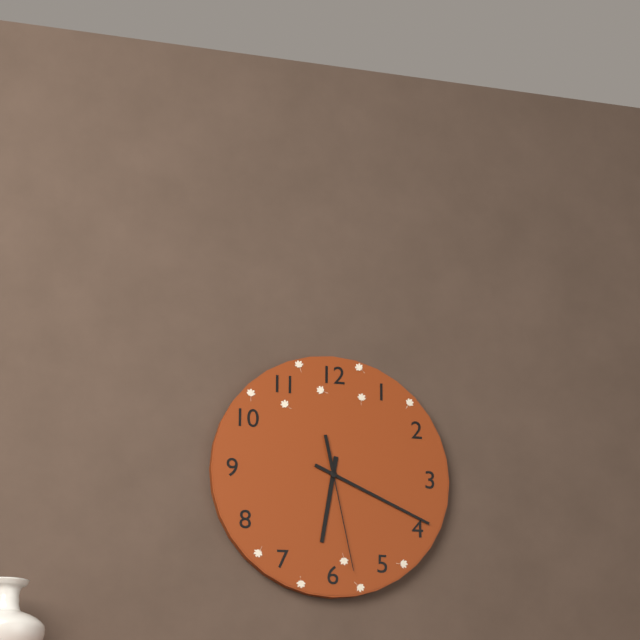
6:19:28
